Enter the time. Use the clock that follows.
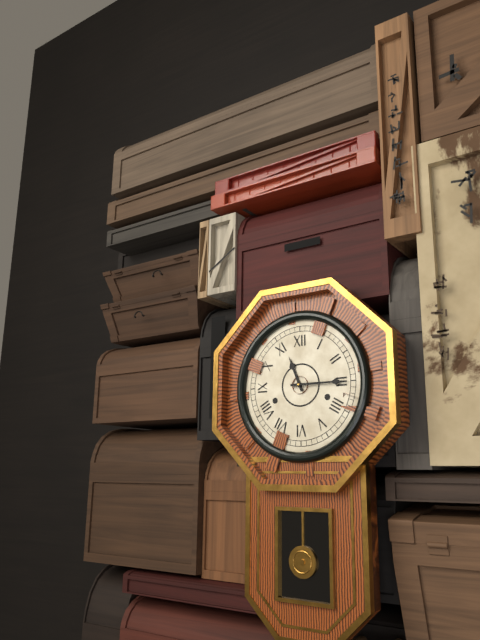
11:15
